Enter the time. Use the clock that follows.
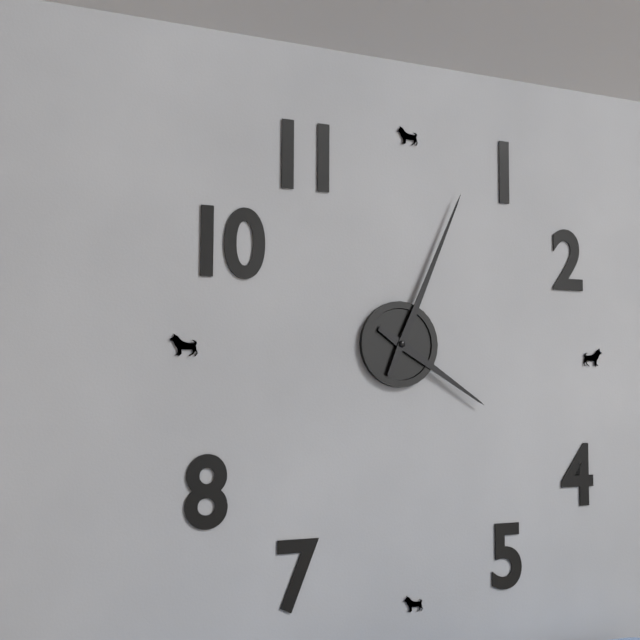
4:04
